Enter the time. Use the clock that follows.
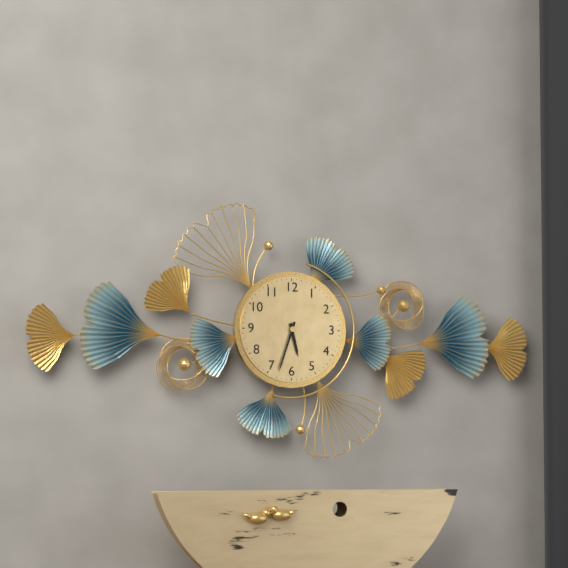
5:33
